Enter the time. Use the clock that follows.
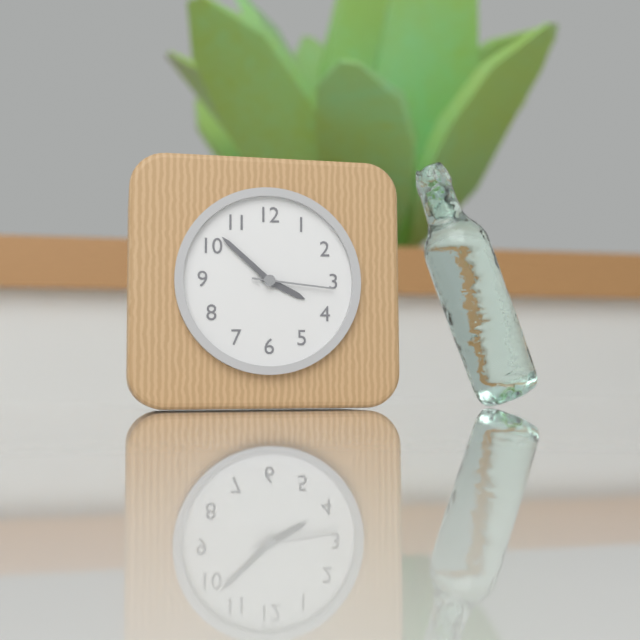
3:52:16
